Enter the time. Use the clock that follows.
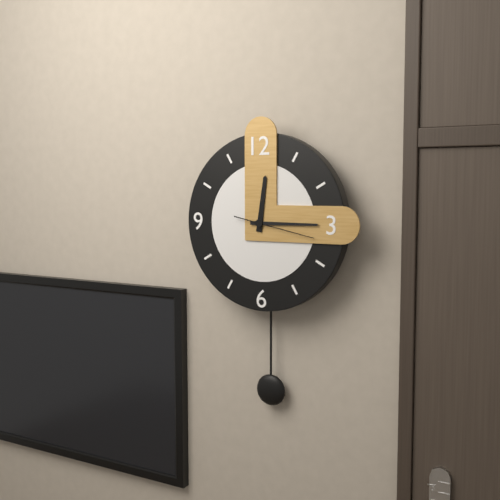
12:15:17
